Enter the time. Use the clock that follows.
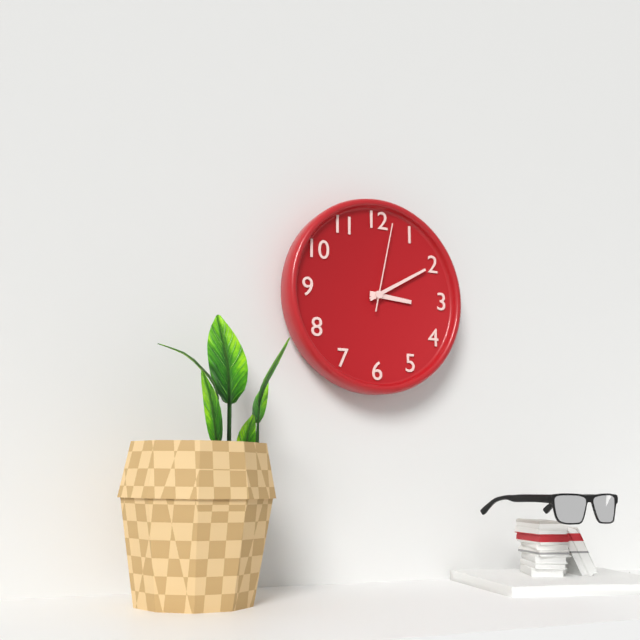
3:10:02
